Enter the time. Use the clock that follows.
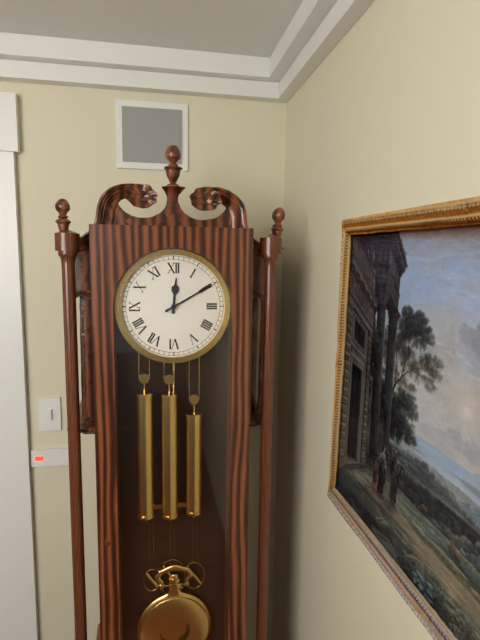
12:10
